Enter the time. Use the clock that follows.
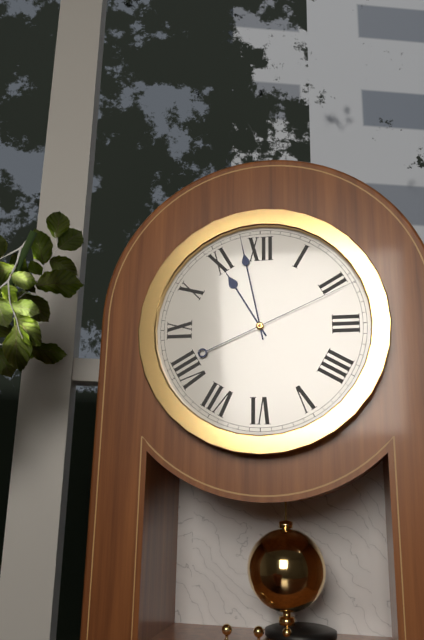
10:58:11
